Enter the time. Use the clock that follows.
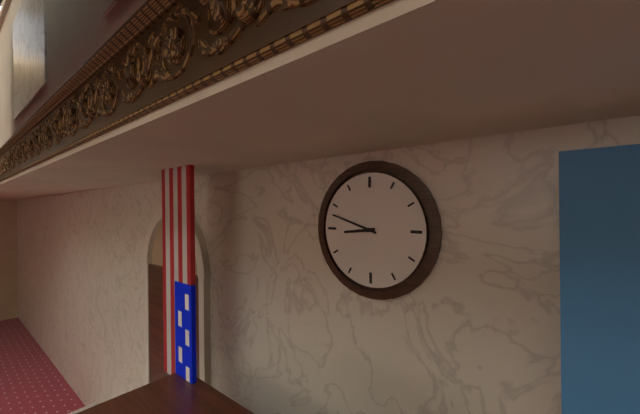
8:48
